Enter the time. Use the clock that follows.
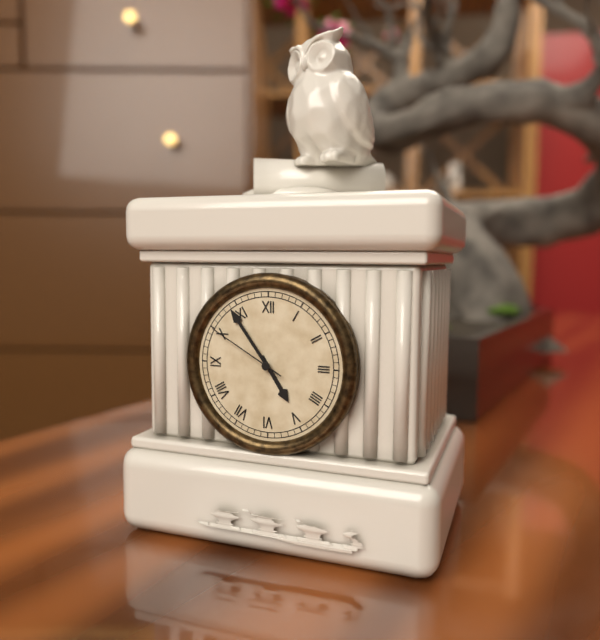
4:54:50
